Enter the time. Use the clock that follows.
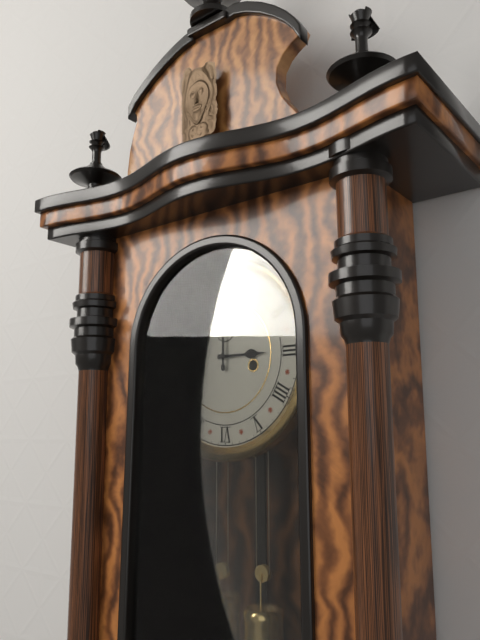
3:00
